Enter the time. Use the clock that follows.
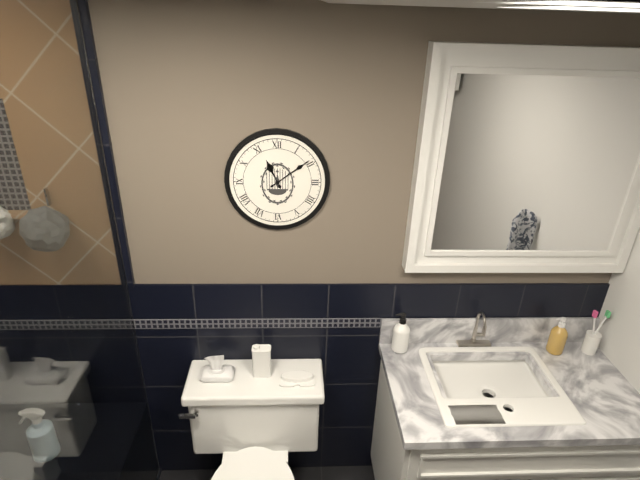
11:09
